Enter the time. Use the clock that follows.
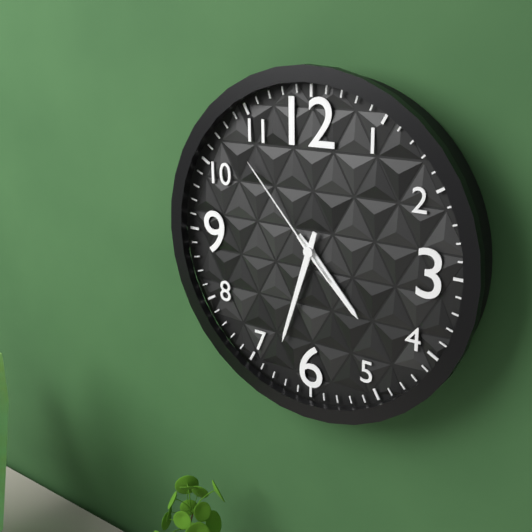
4:33:53
